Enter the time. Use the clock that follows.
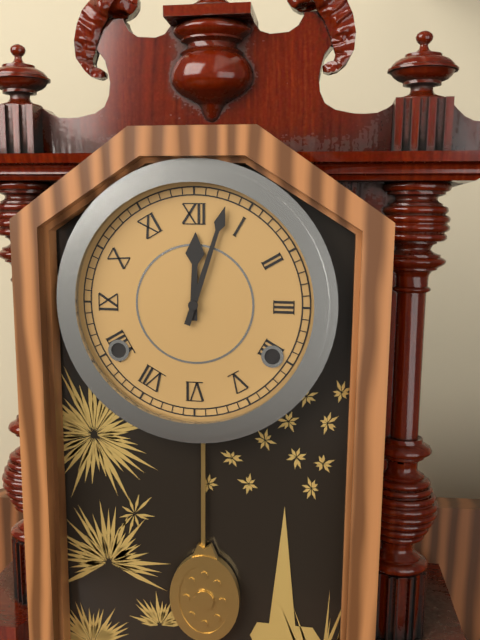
12:03
